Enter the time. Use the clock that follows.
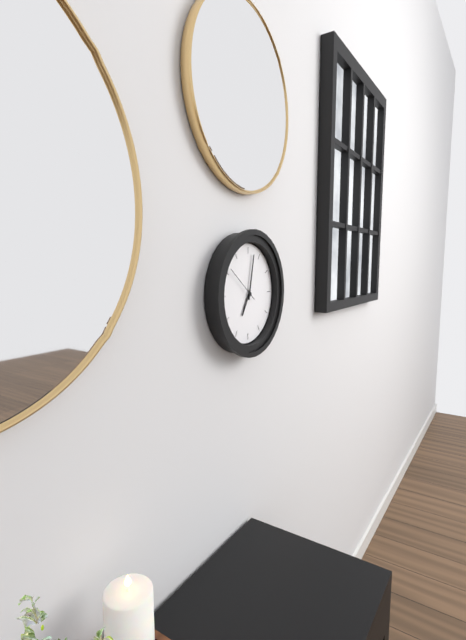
7:02
